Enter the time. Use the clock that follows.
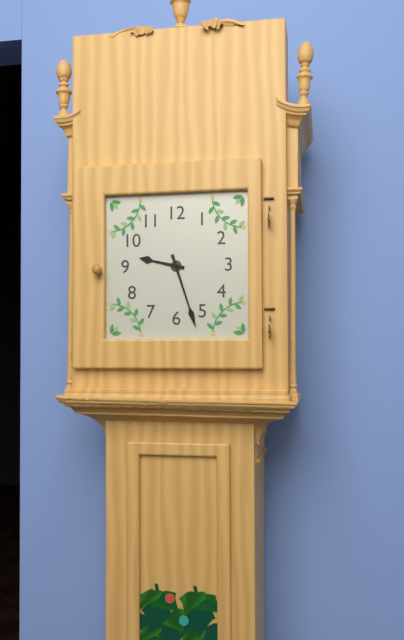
9:27
